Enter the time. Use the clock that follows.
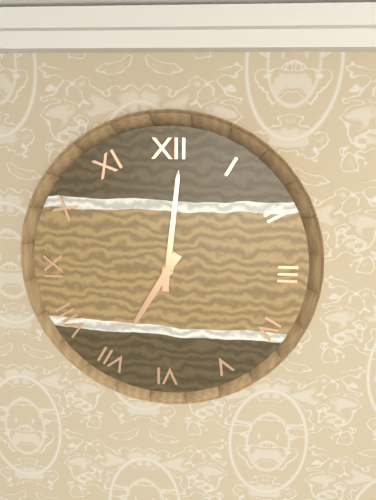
7:01
